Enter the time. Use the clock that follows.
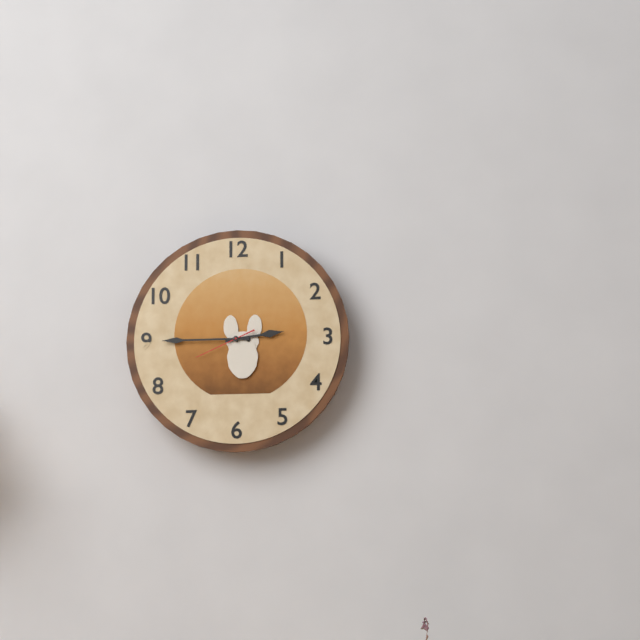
2:45:41
